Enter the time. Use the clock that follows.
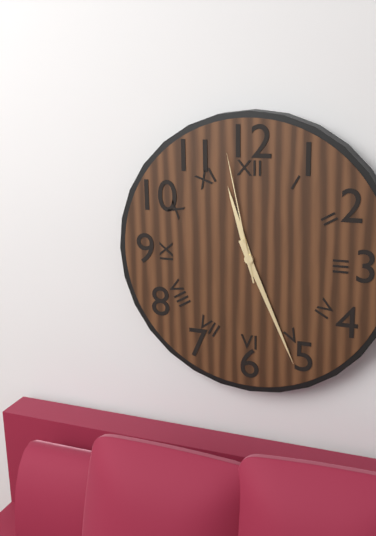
11:26:58
